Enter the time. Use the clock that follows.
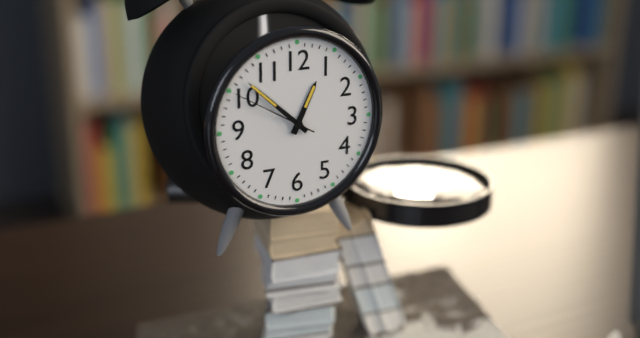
12:52:50
